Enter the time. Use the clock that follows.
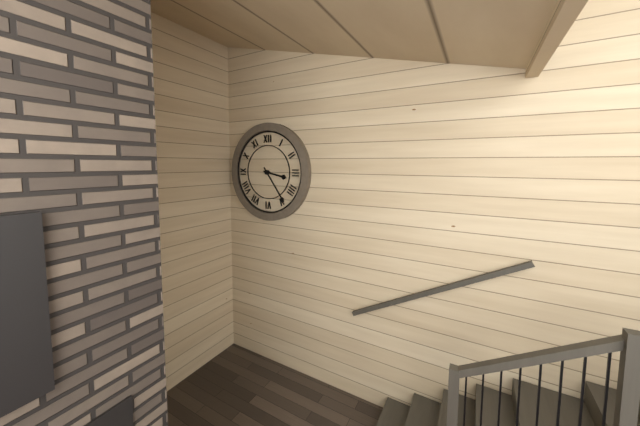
3:24
